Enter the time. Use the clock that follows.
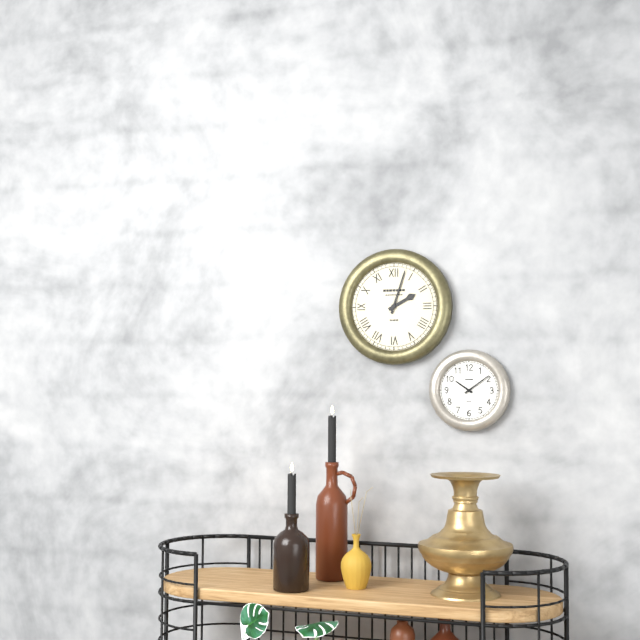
2:03
